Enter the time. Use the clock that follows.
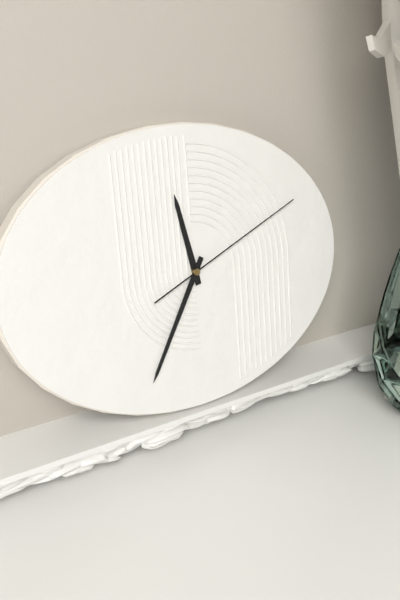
11:35:11
